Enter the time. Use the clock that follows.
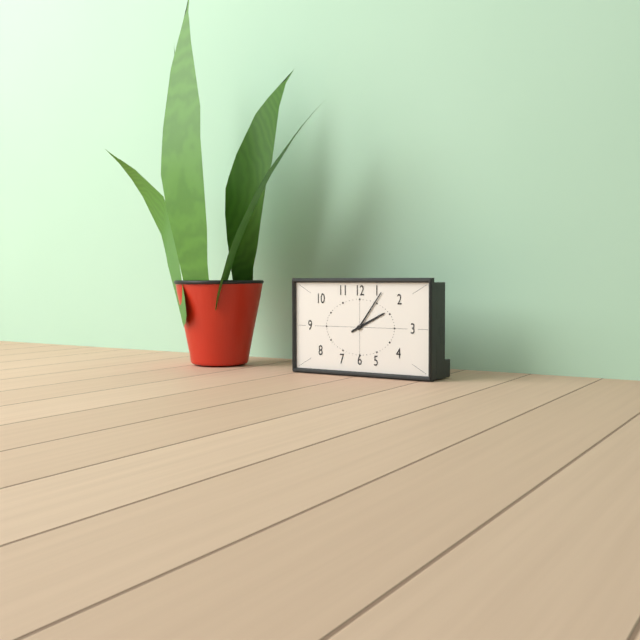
2:06
